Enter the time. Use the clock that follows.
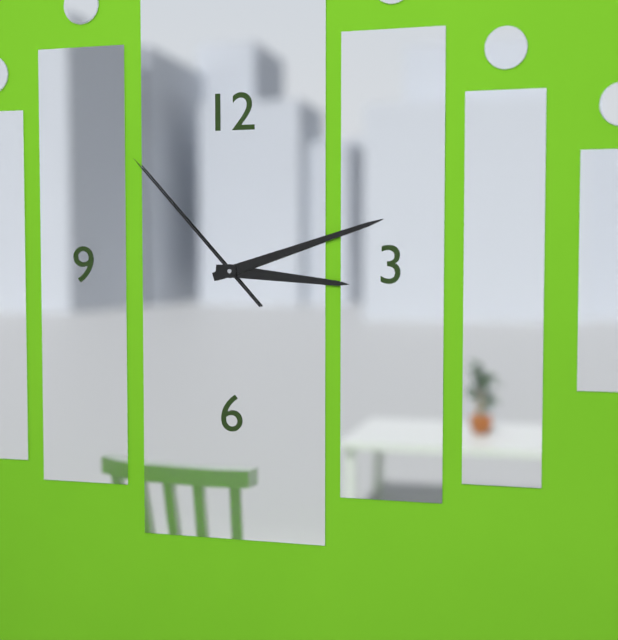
3:12:53
